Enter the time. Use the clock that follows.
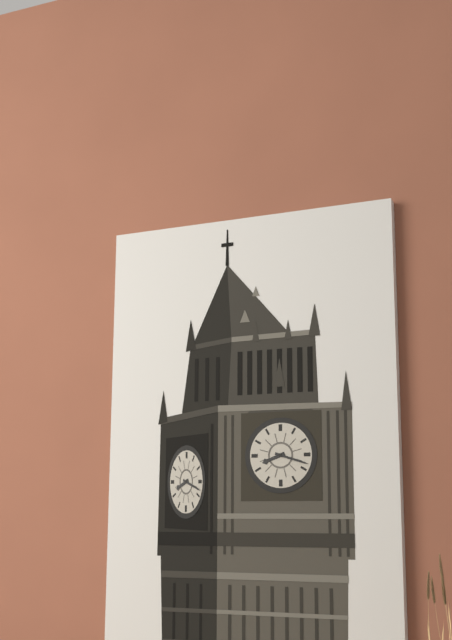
8:18
